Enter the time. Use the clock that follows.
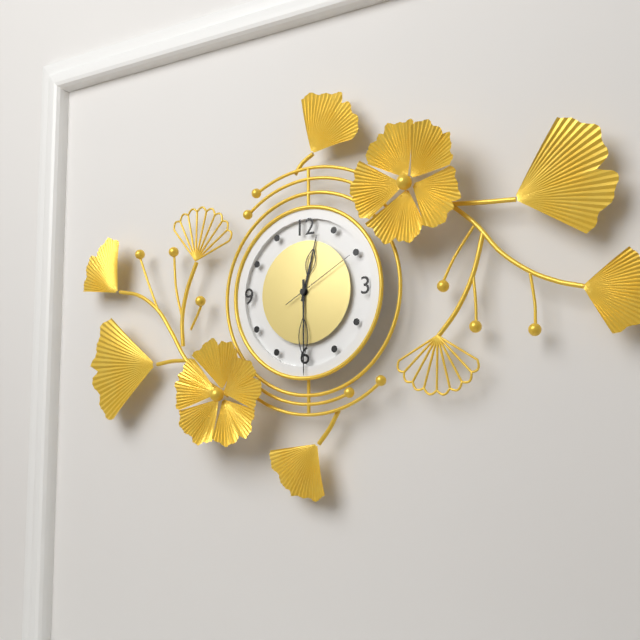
12:30:10
